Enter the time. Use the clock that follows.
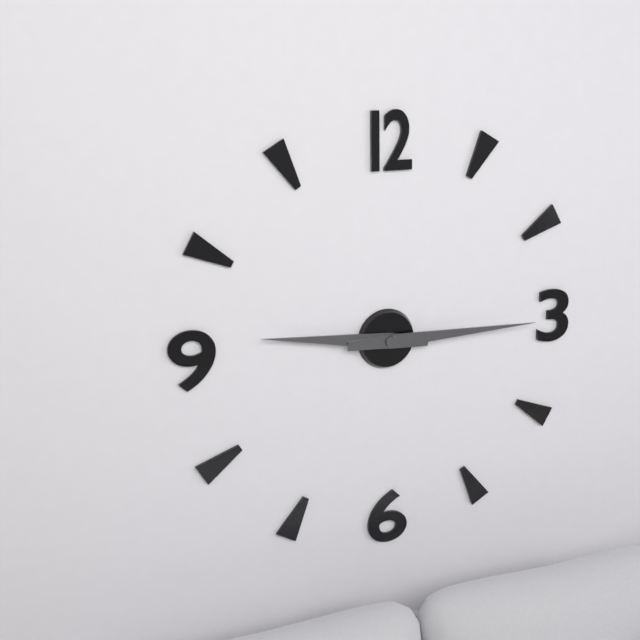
9:15
